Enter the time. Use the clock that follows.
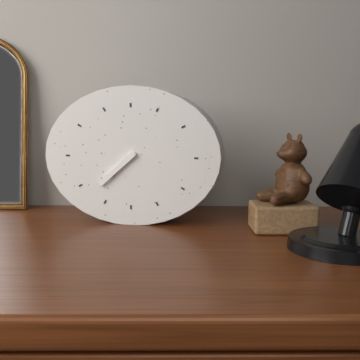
7:38
